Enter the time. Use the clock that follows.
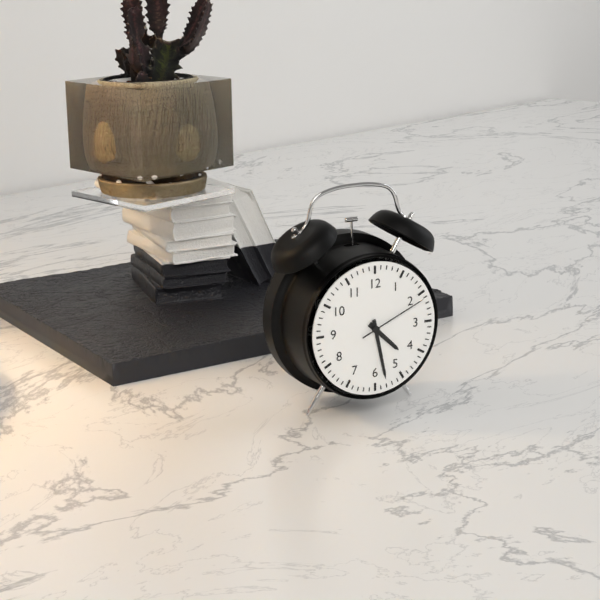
4:28:11
